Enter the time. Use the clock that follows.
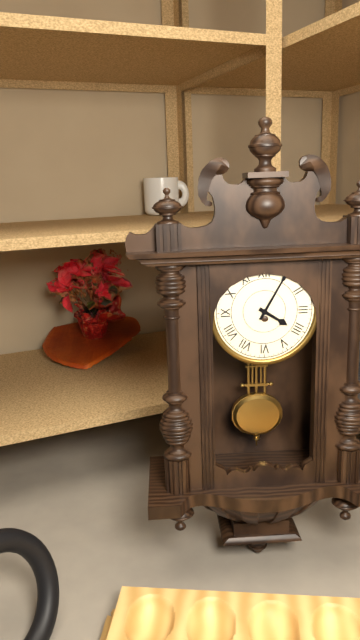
4:05
